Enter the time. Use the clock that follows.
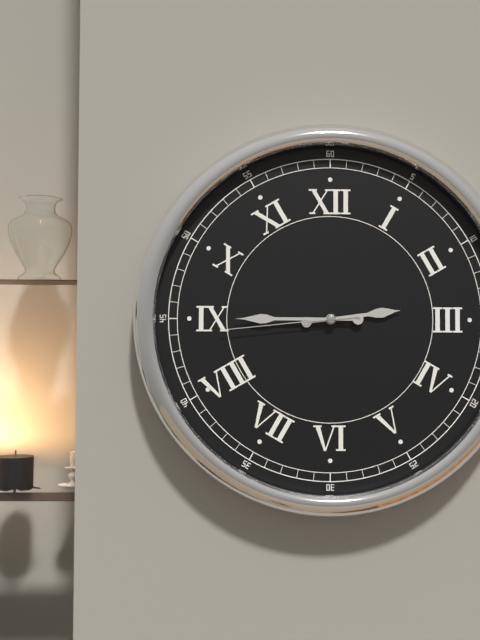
2:45:44
